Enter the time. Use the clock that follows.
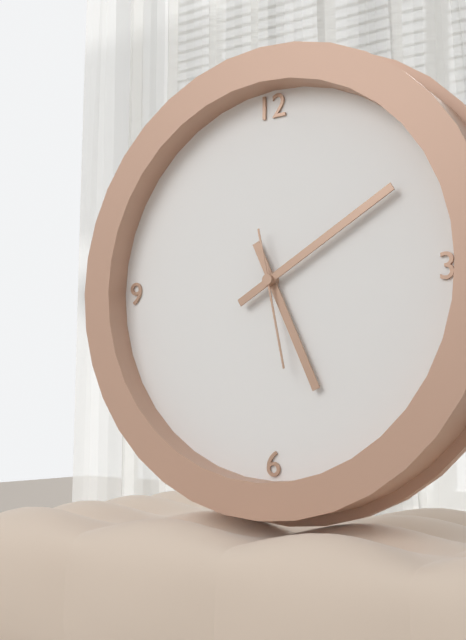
5:10:28
